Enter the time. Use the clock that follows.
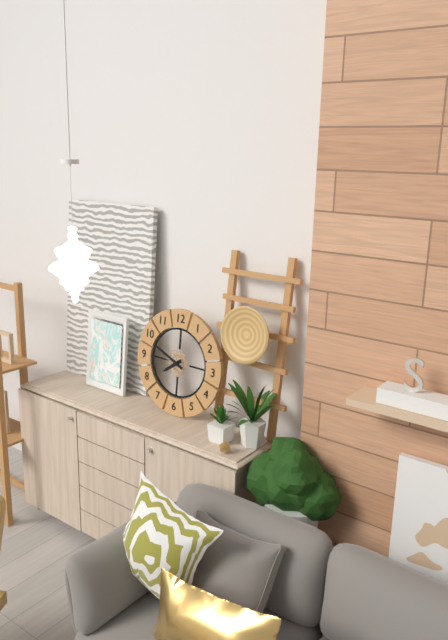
7:49
